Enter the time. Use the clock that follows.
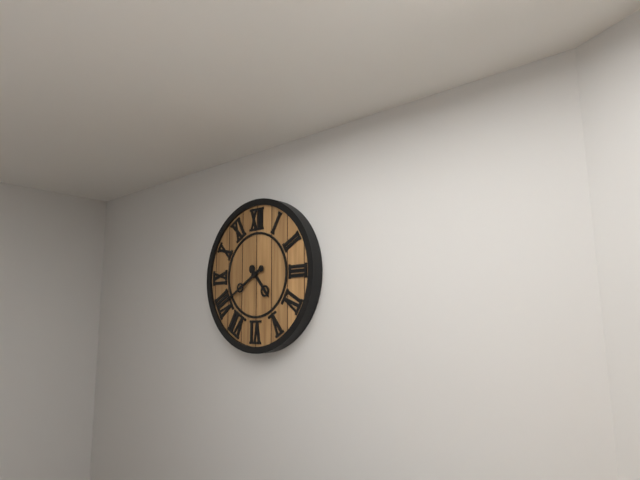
4:40
